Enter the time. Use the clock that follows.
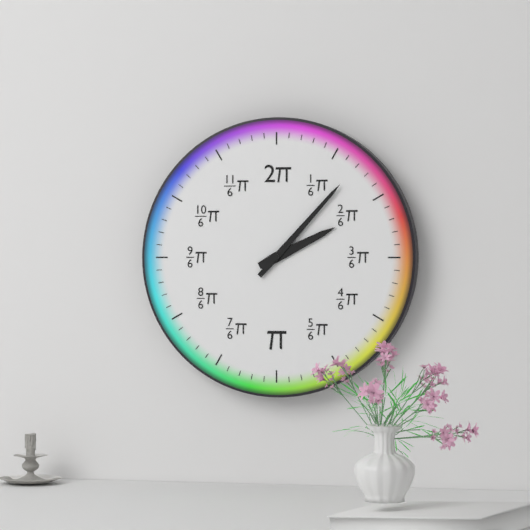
2:07
